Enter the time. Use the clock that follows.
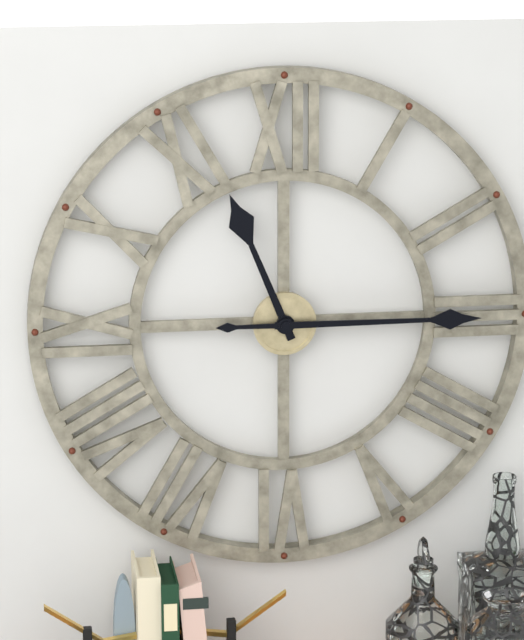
11:15
